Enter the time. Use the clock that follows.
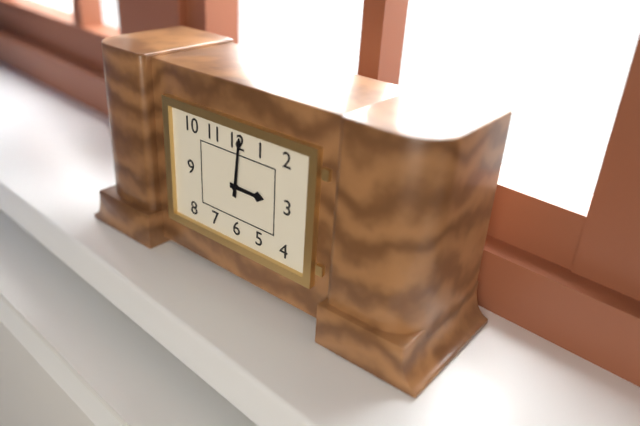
3:01
